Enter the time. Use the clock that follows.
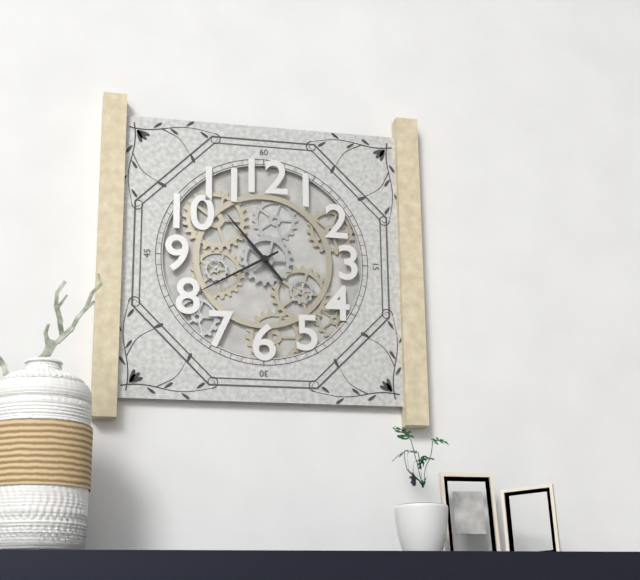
10:40
